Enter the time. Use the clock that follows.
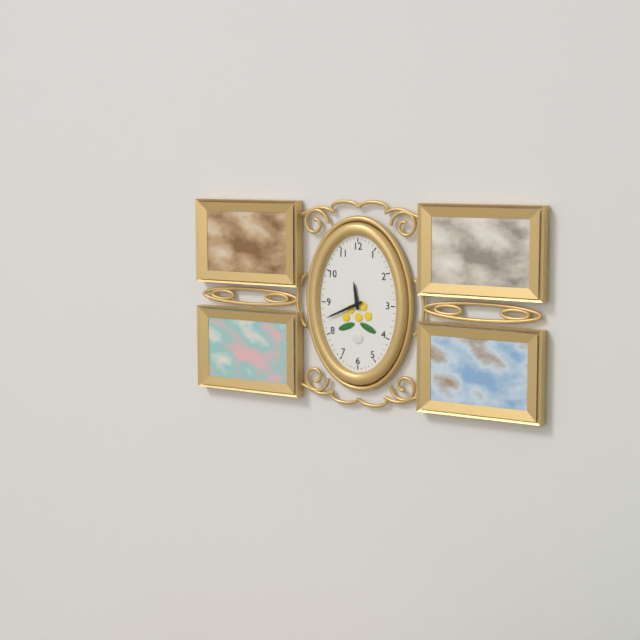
11:41
